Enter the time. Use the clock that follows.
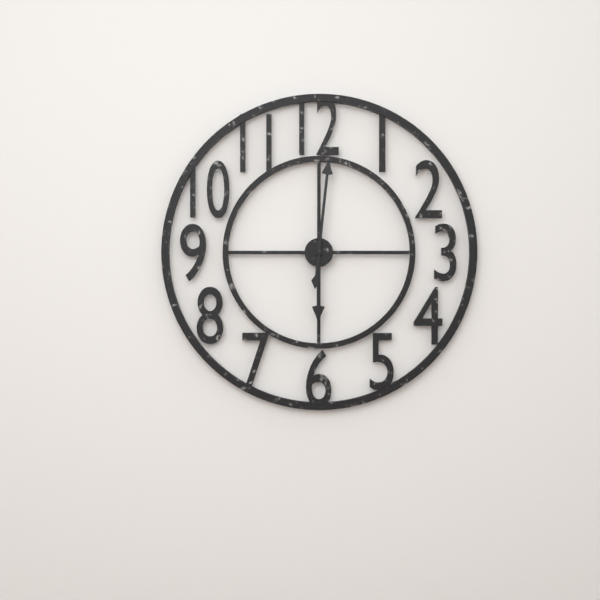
6:01
